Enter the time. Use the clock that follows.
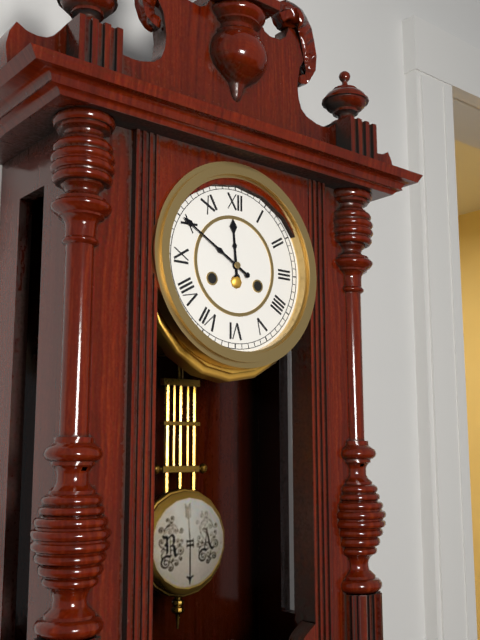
11:50
